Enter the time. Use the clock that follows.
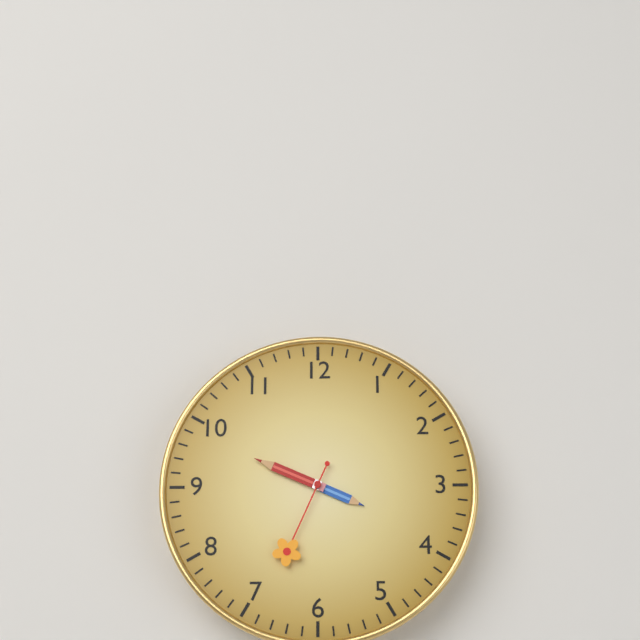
3:49:34
